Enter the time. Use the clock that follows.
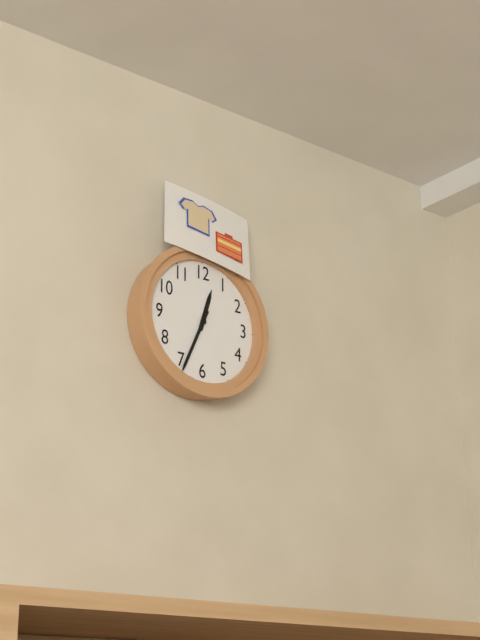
12:34
